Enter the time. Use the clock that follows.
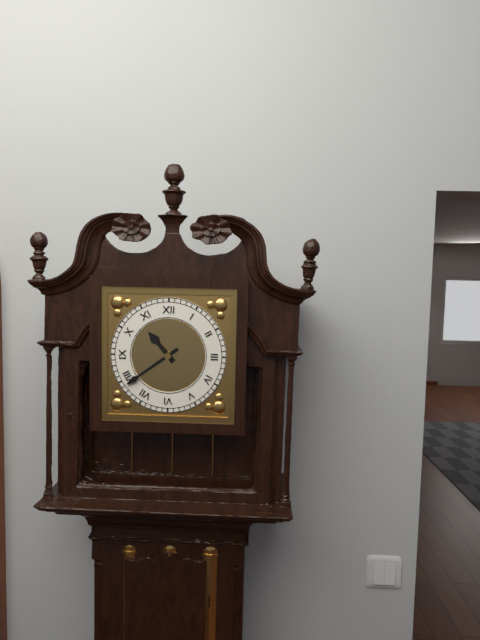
10:39
